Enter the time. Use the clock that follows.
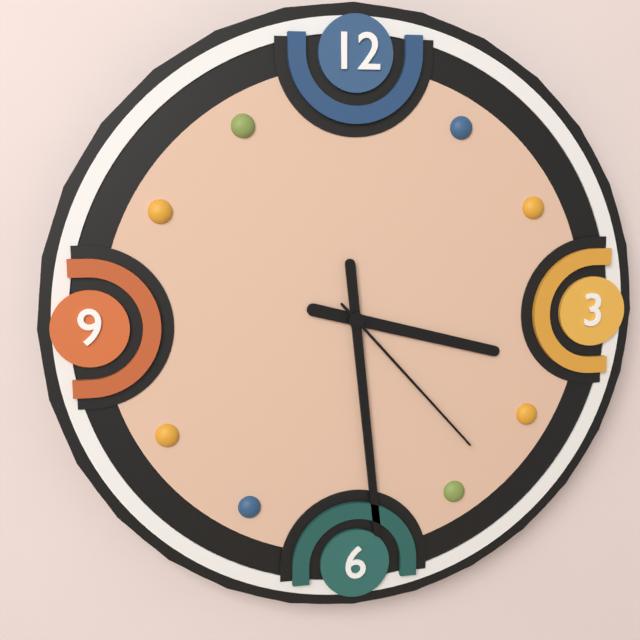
3:29:23
